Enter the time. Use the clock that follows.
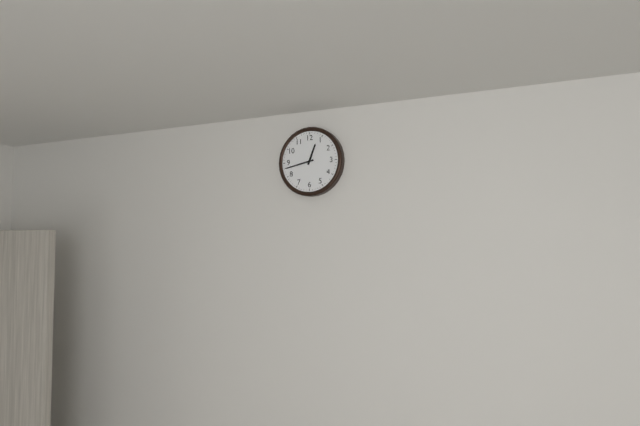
12:43
